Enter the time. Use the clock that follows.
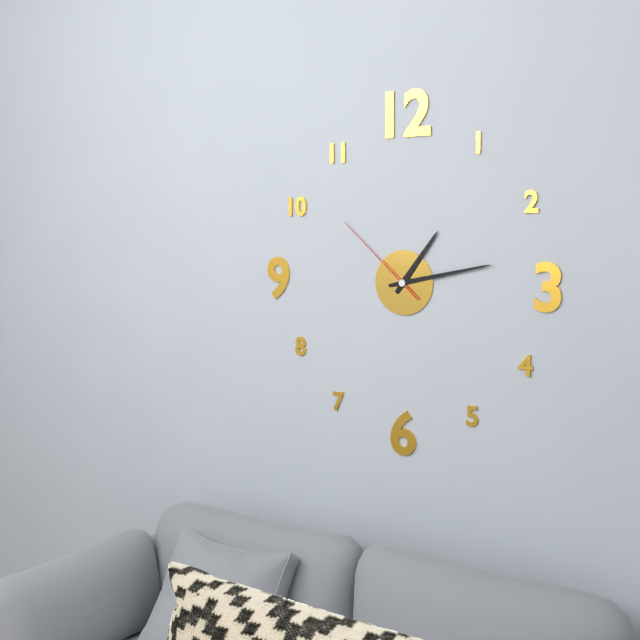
1:13:52
